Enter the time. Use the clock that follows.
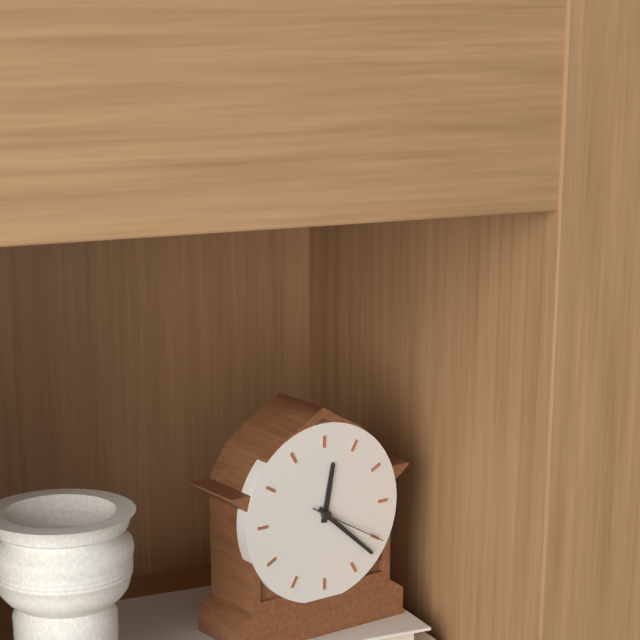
12:22:20
